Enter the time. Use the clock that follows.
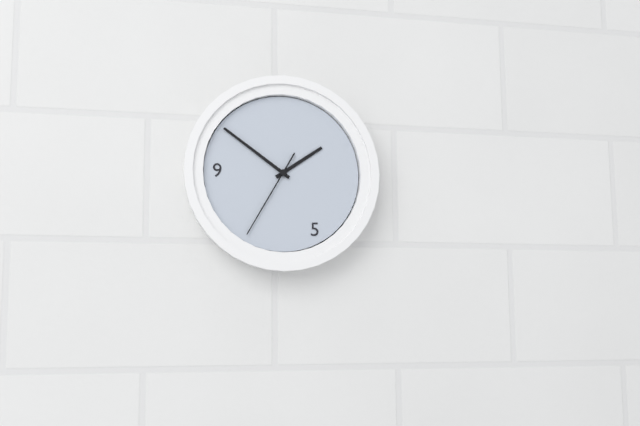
1:51:35
